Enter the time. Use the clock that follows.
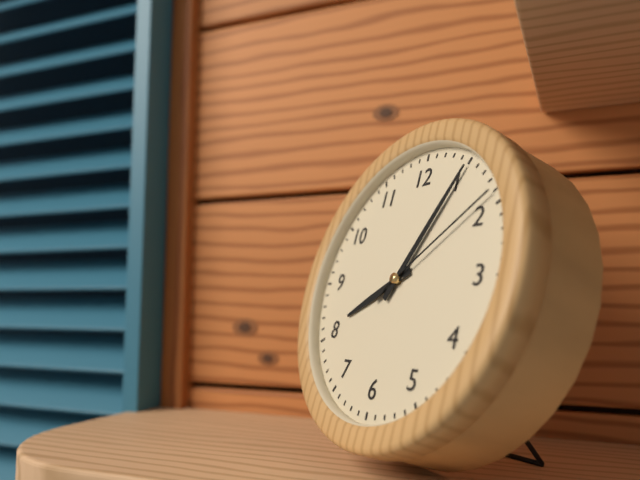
8:05:09
